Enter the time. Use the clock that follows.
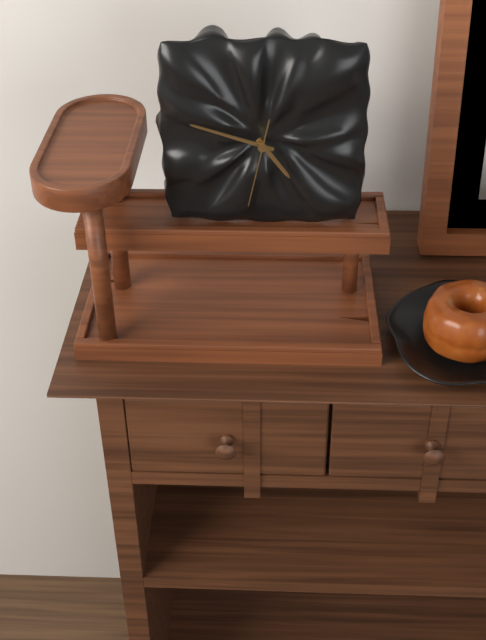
4:48:32
